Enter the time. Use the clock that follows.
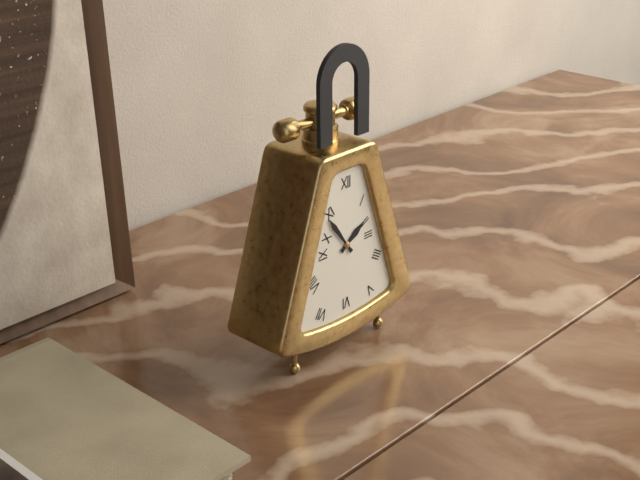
1:54
